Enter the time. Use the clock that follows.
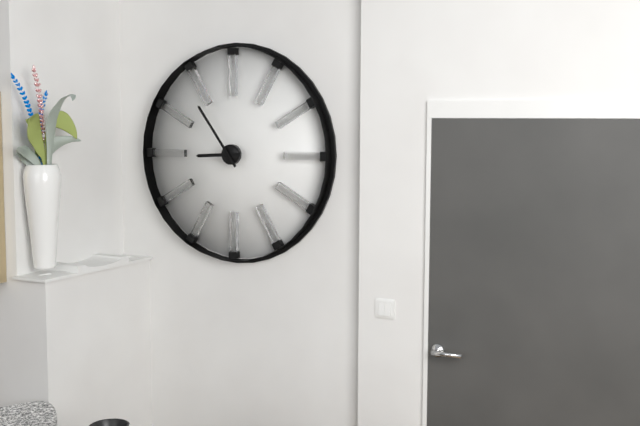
8:54
